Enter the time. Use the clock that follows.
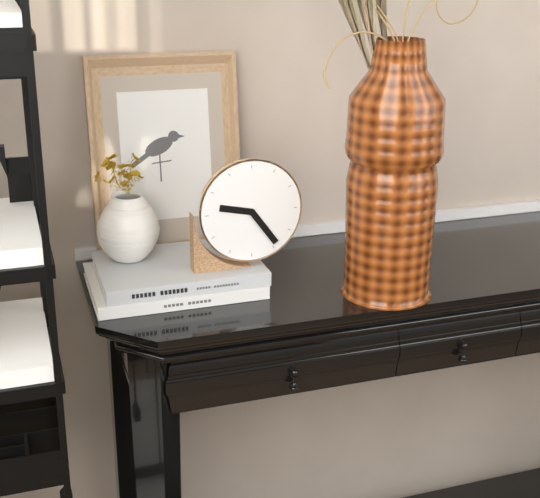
9:24
